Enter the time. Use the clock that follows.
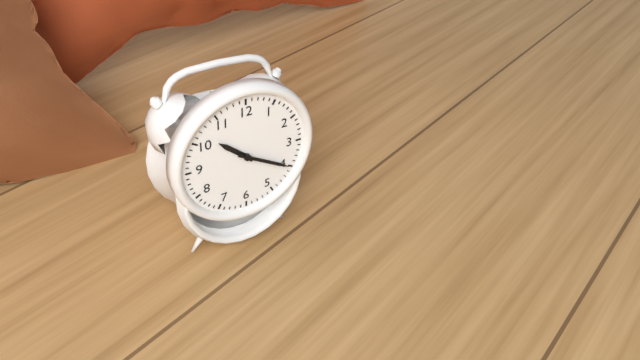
10:20
